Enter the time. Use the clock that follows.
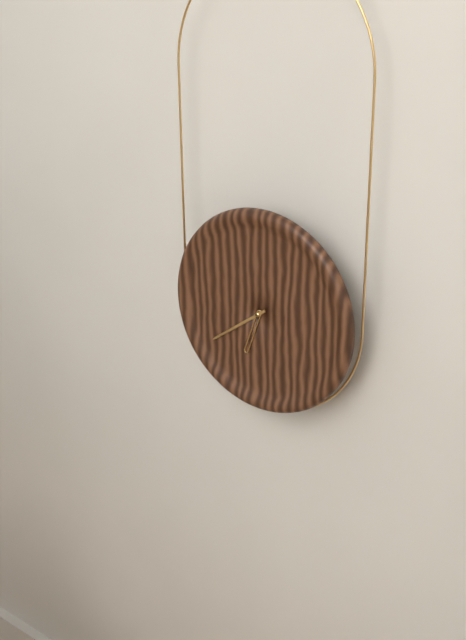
6:39
